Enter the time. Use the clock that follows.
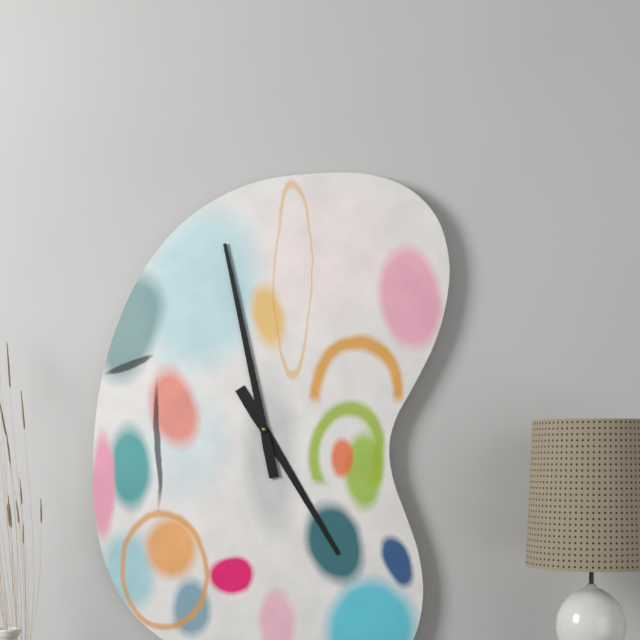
4:58
